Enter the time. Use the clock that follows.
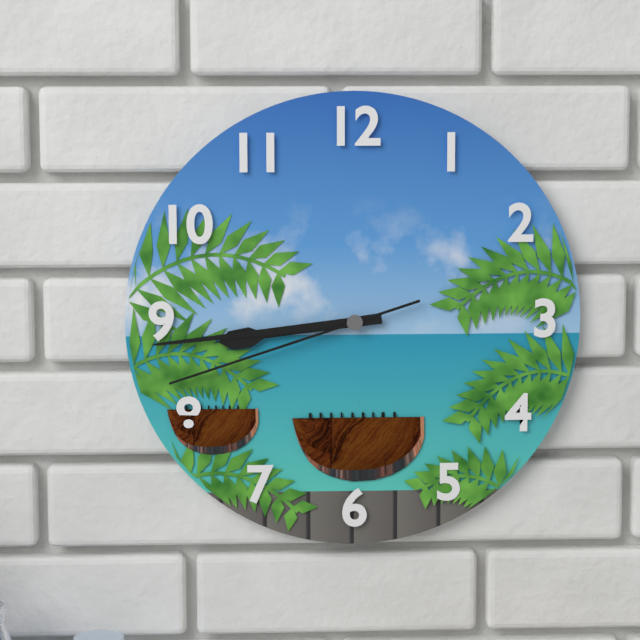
8:44:42
